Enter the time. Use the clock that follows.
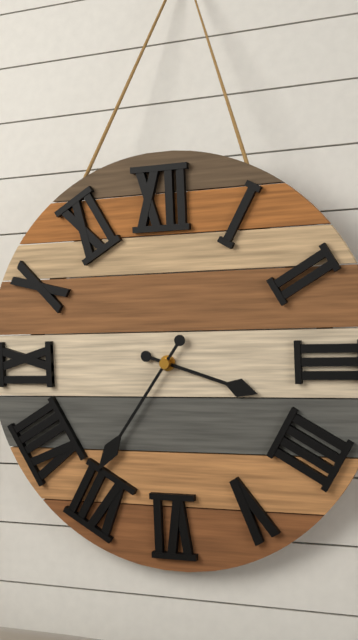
3:36
